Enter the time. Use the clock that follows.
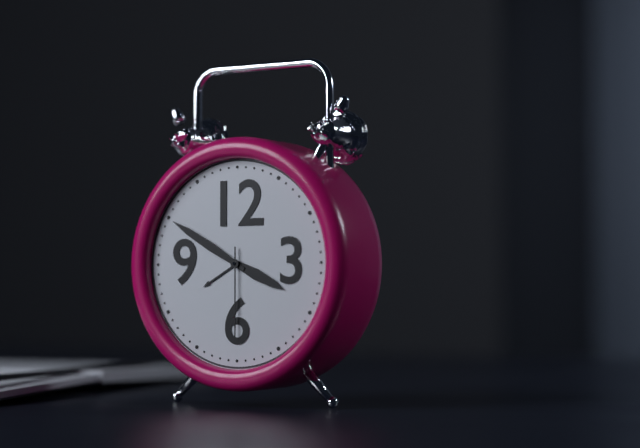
3:50:30
